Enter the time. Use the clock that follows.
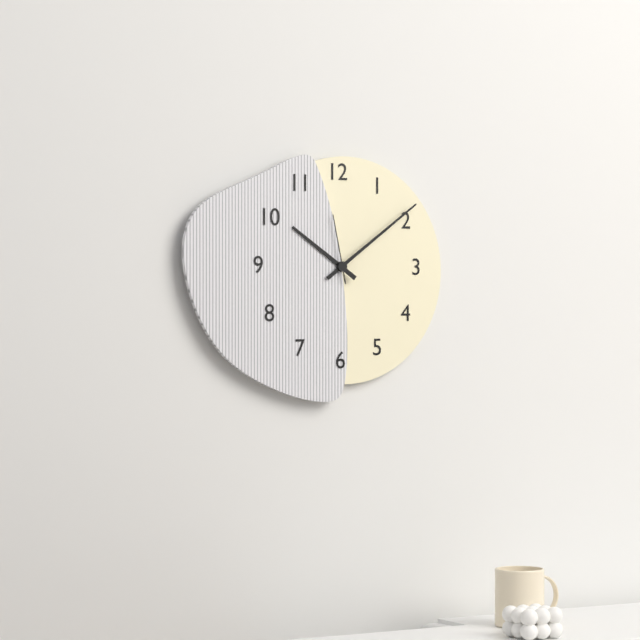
10:09:58
